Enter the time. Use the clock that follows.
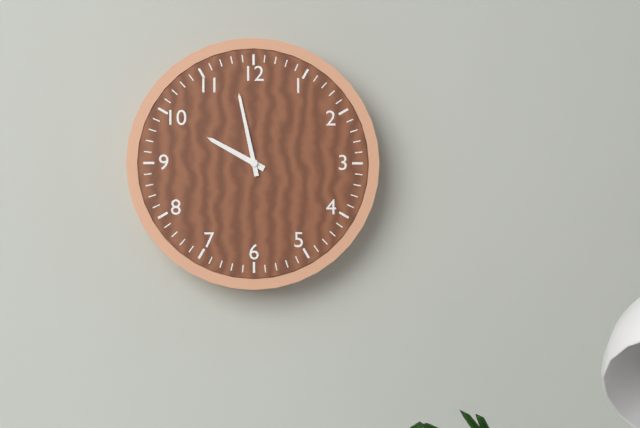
9:58
